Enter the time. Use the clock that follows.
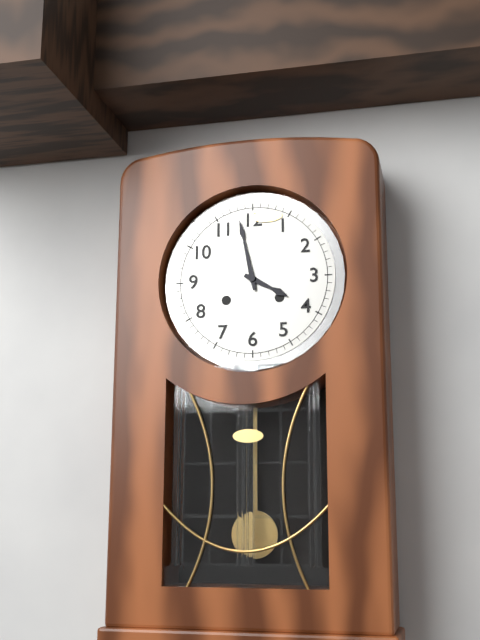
3:58
